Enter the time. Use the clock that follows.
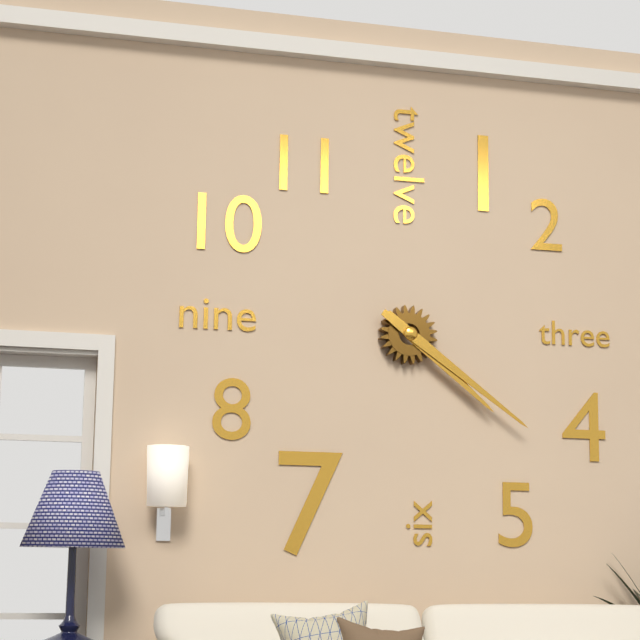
4:21
